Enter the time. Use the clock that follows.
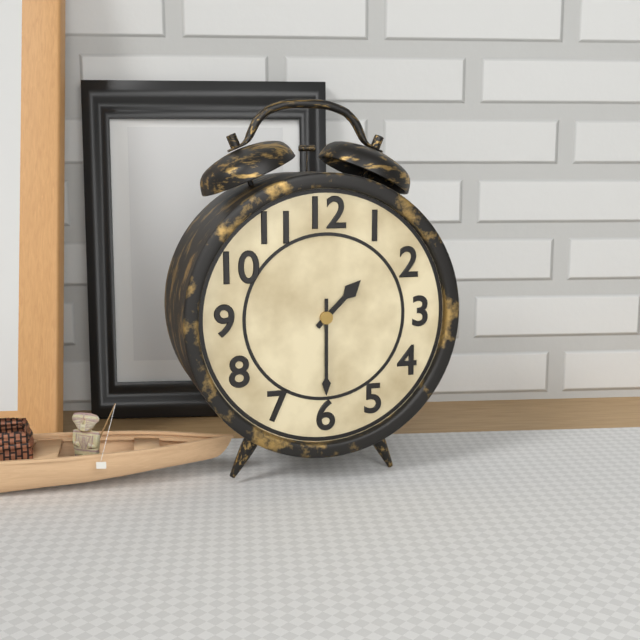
1:30
